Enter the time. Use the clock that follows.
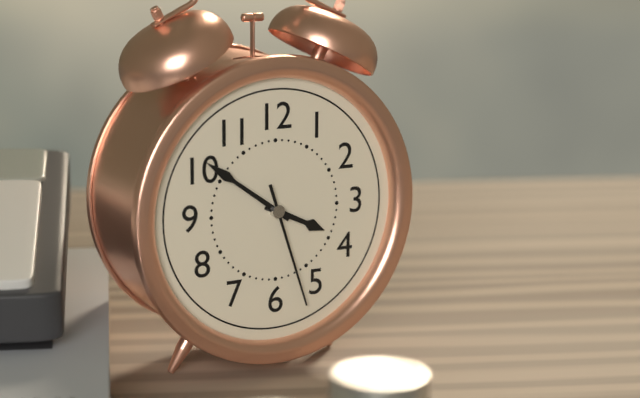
3:51:27
